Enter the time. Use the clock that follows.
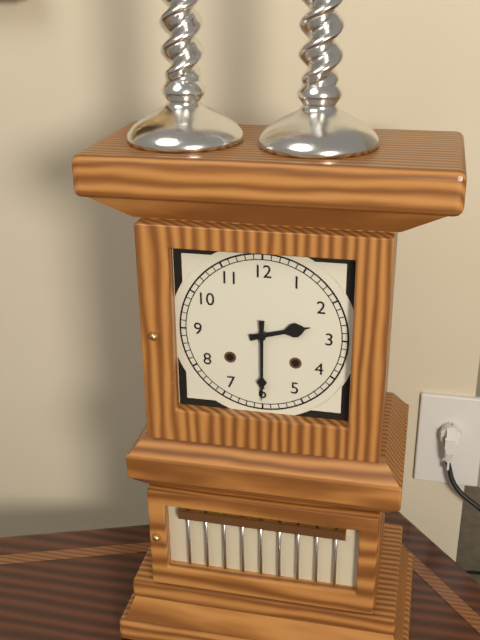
2:30
